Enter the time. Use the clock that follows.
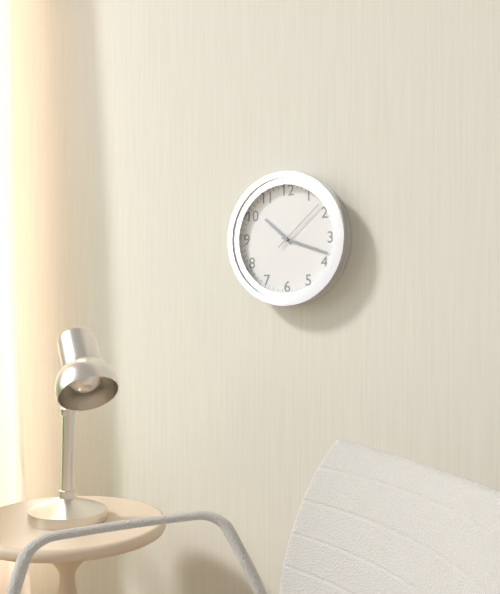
10:18:08
